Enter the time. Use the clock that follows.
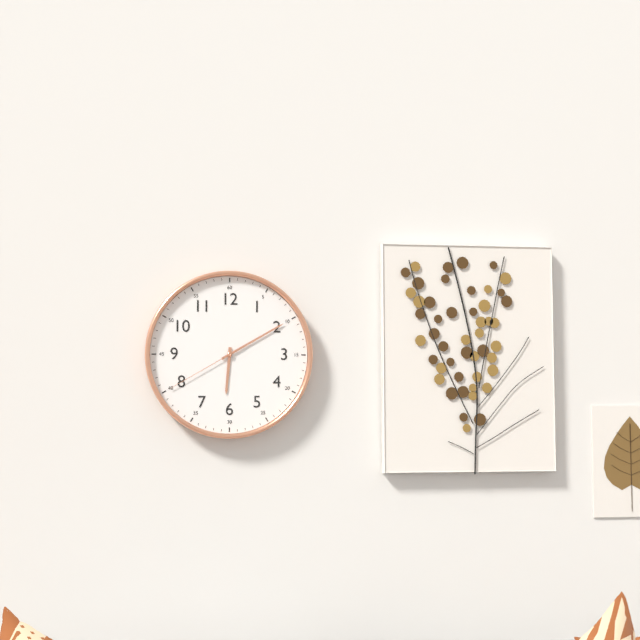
6:10:40
